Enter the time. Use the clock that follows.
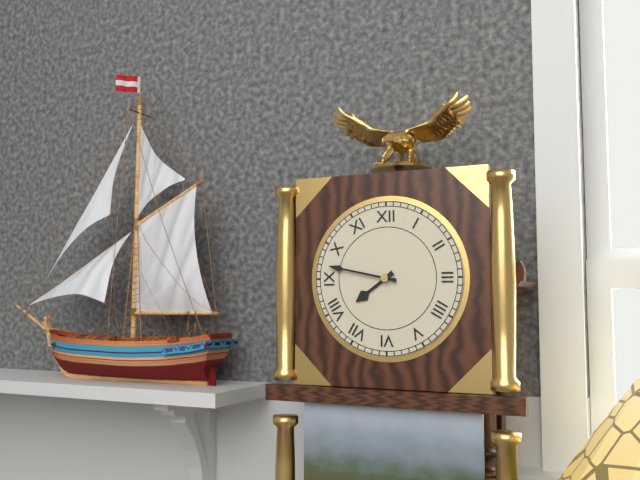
7:47
